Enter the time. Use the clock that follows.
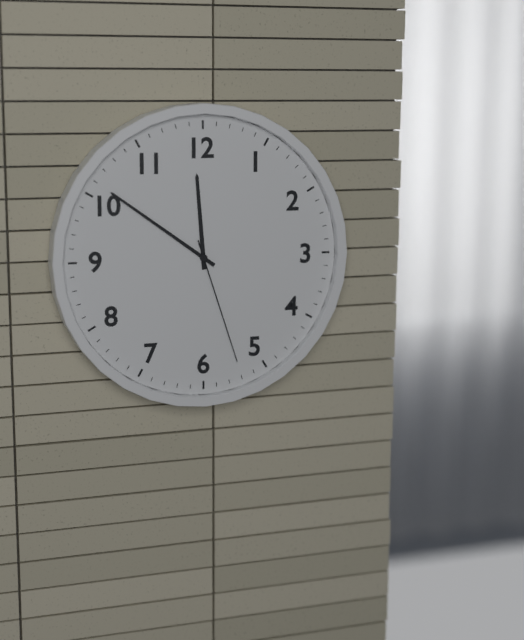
11:51:27
